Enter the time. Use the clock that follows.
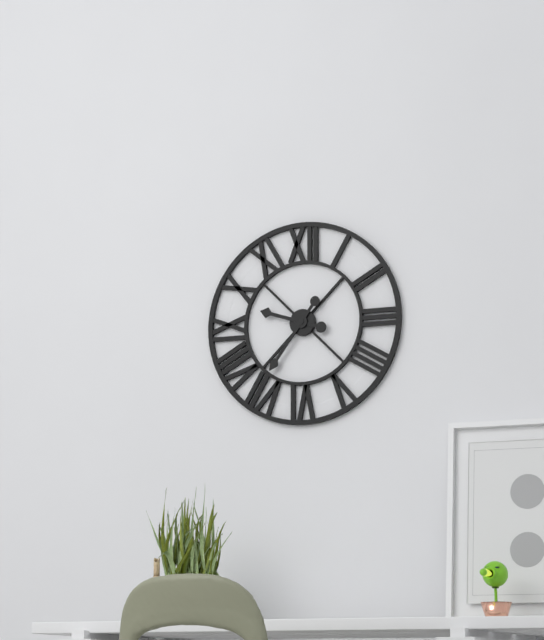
9:36
